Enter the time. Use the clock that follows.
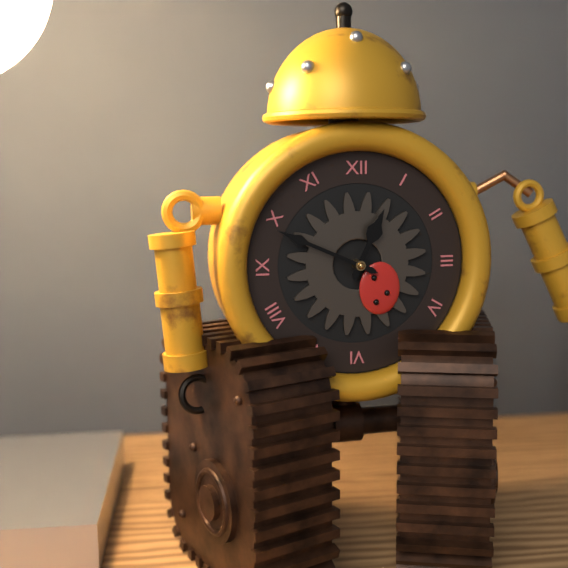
12:49
